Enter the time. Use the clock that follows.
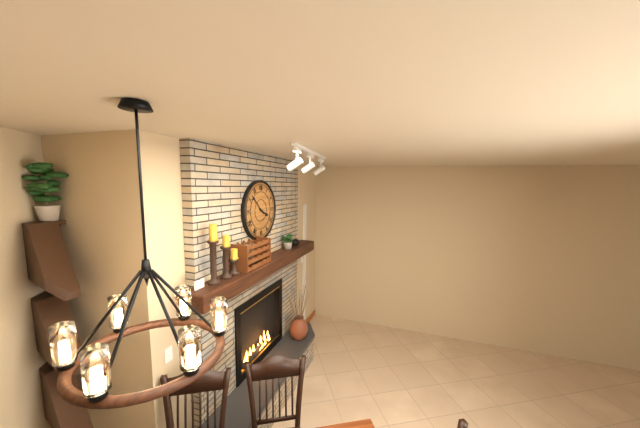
3:52
